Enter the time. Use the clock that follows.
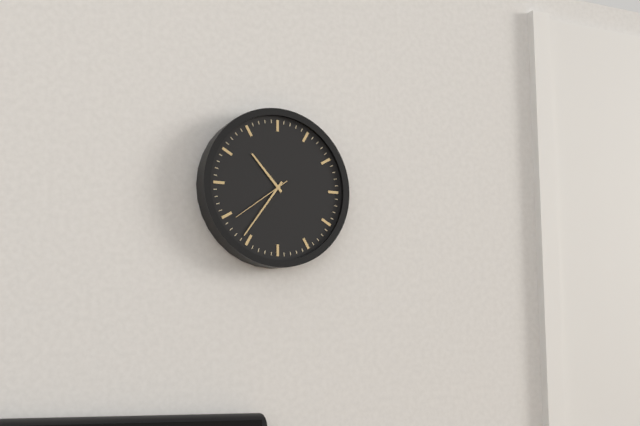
10:36:39
